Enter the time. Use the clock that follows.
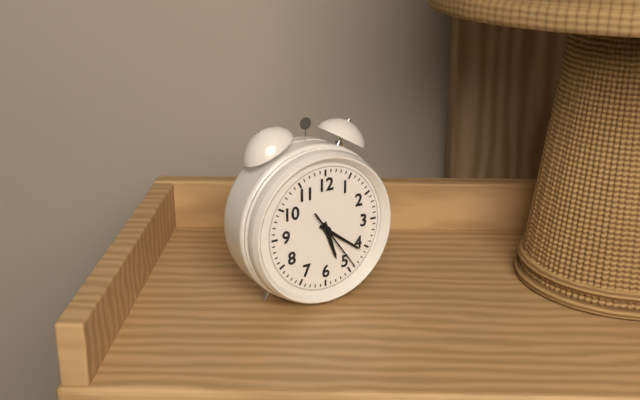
5:21:24
